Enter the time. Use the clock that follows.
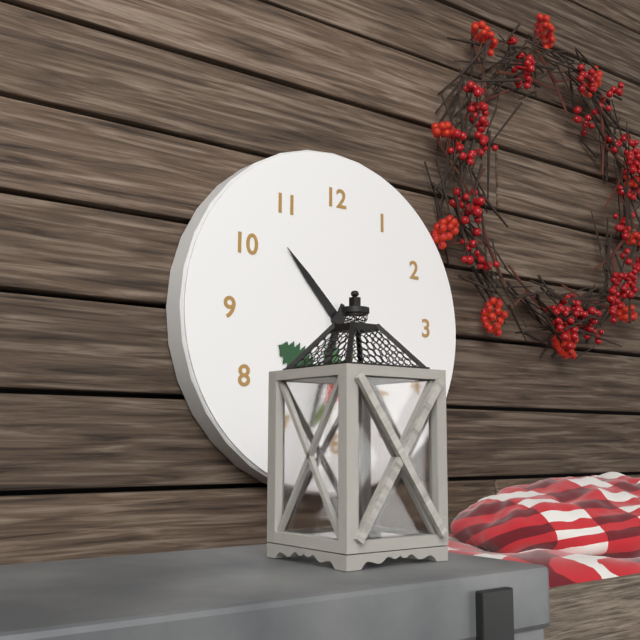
10:33
